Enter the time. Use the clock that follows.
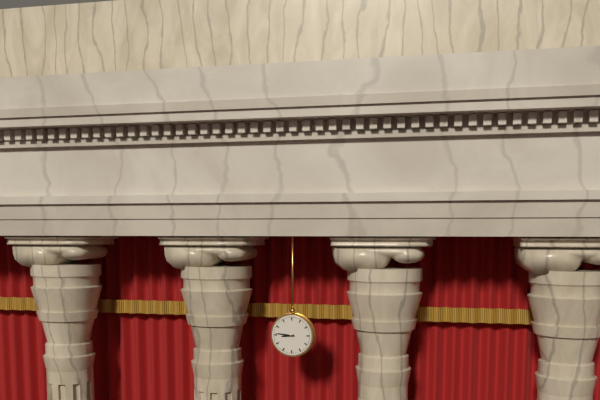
8:46
